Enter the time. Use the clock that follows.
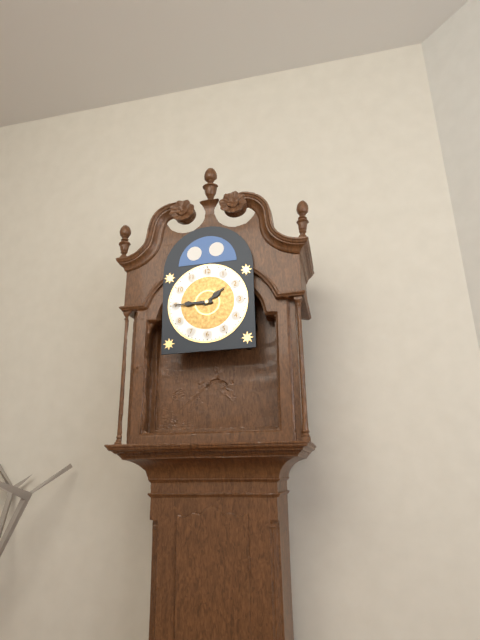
1:45
